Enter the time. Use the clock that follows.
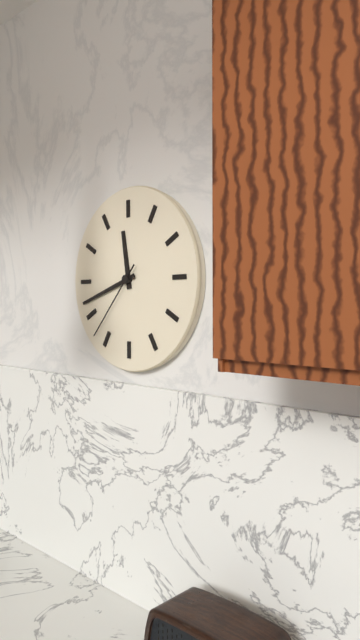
11:42:37
